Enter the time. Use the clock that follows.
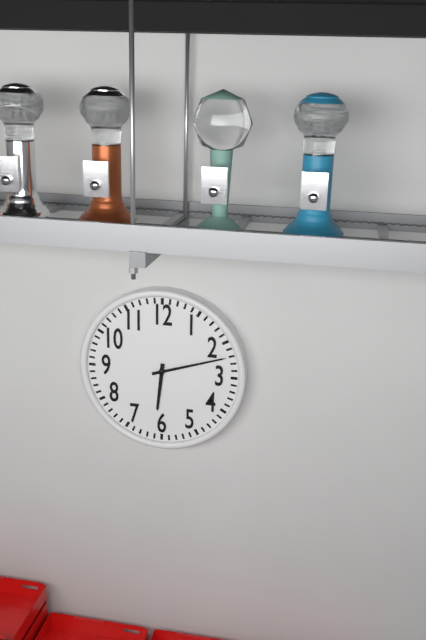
6:12
